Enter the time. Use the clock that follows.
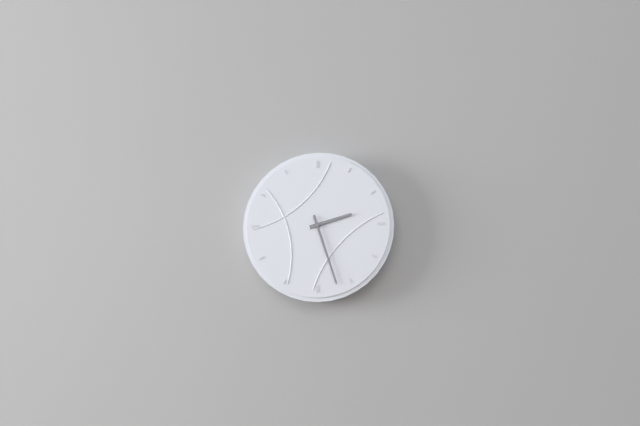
2:27
